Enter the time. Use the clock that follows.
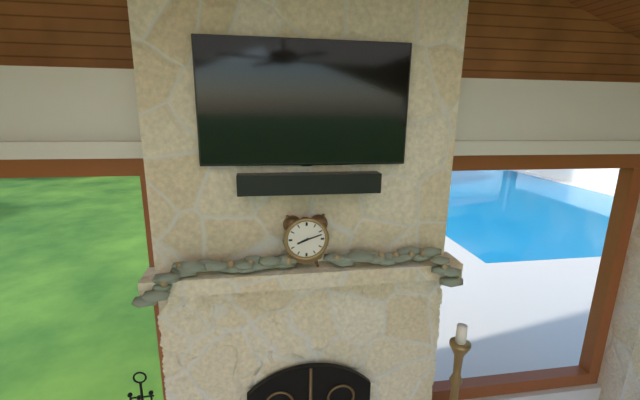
8:12
